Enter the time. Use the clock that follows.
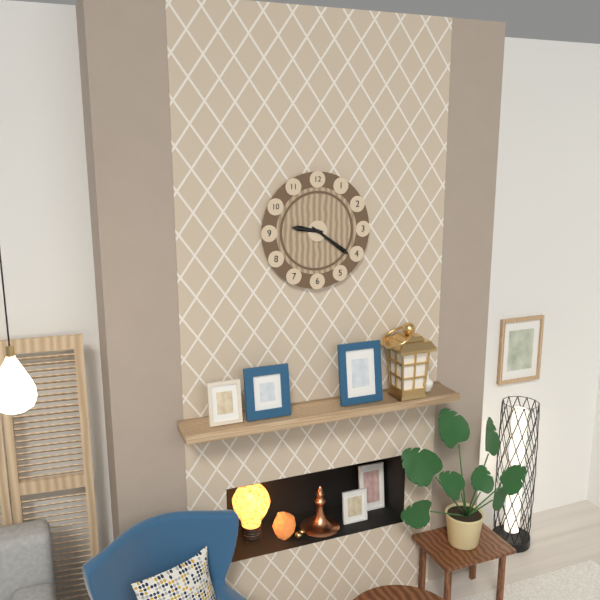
9:21
